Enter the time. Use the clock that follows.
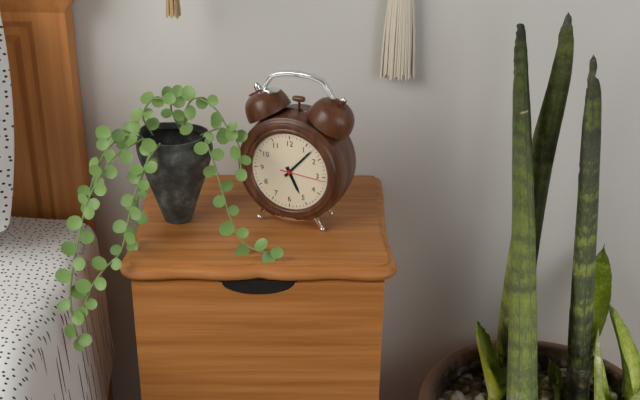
5:07
